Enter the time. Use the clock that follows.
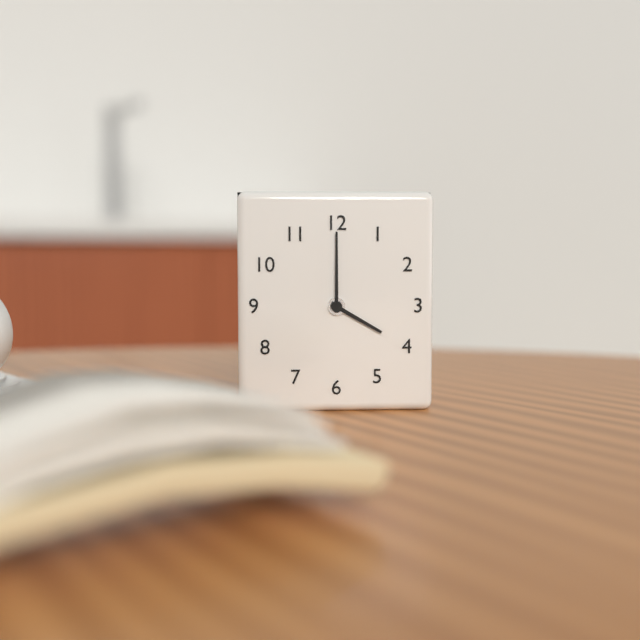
4:00
